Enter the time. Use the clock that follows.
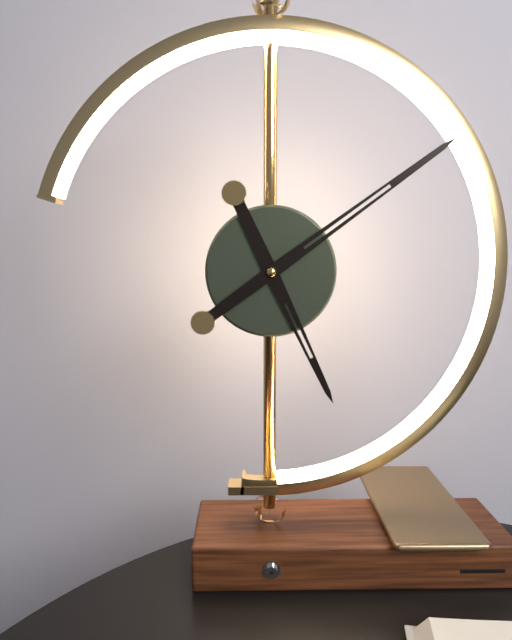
5:09
